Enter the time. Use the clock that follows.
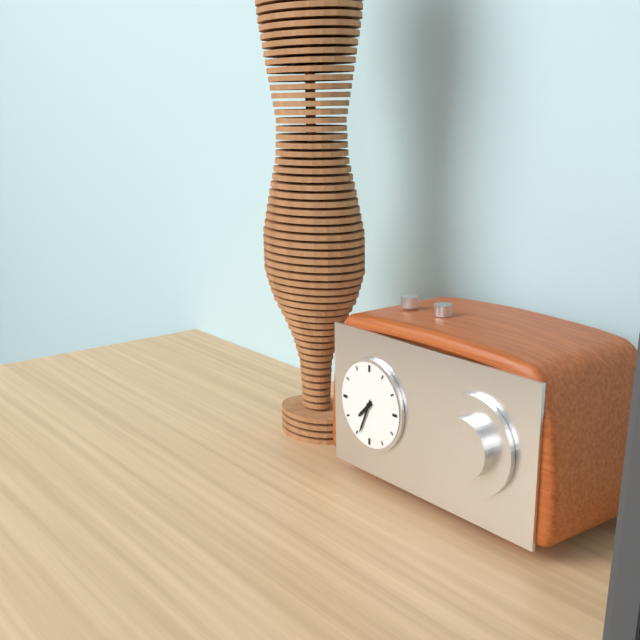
7:34
